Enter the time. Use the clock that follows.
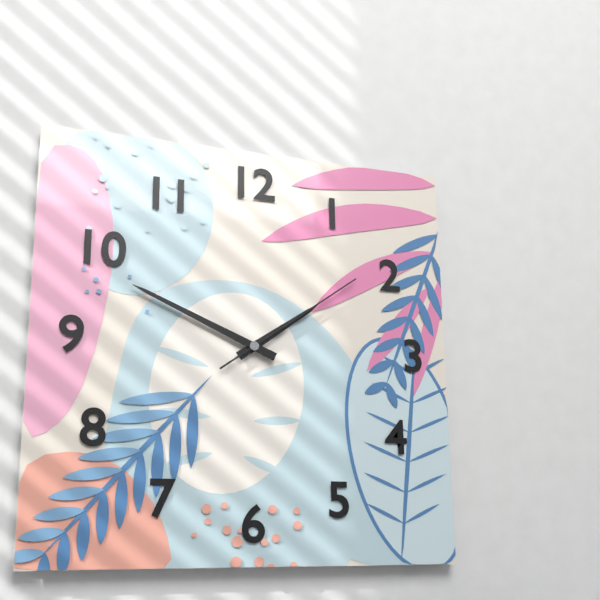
1:49:09
